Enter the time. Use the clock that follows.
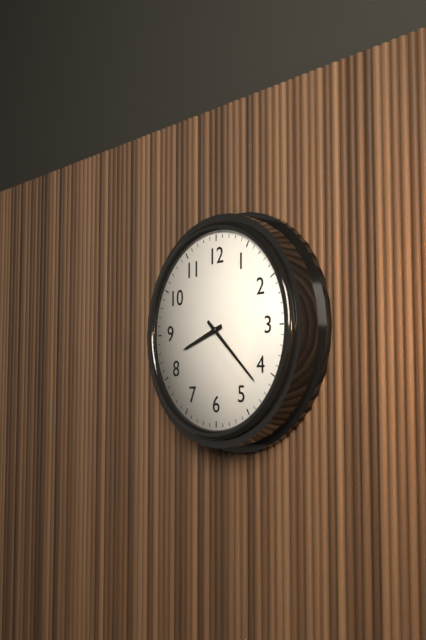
8:22
